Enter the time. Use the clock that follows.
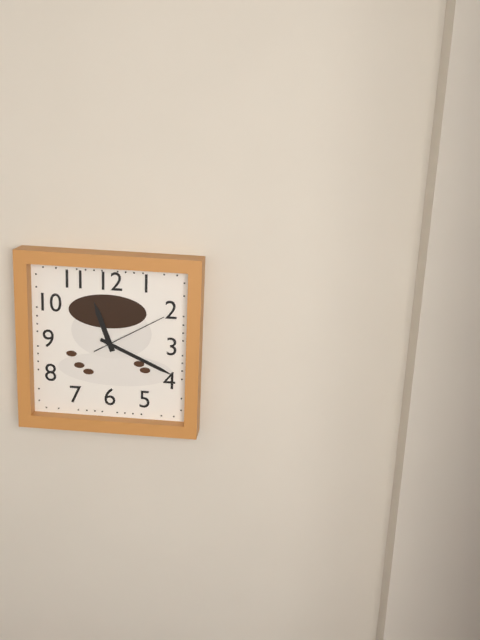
11:19:10
